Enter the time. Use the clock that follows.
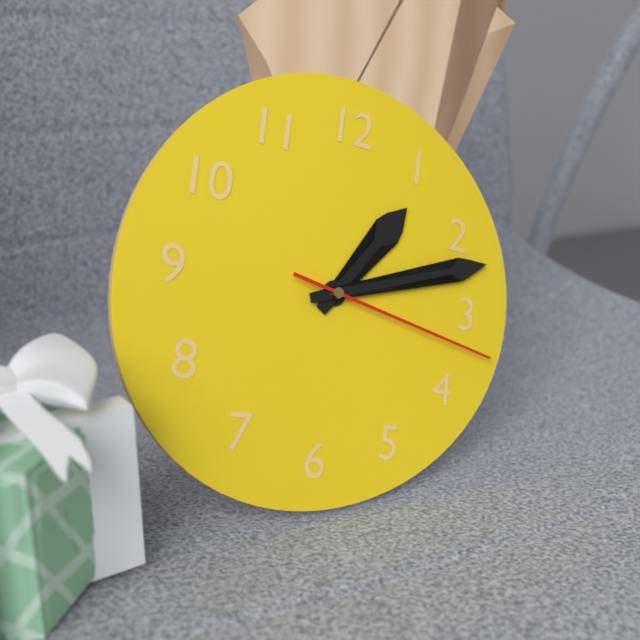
1:12:17
